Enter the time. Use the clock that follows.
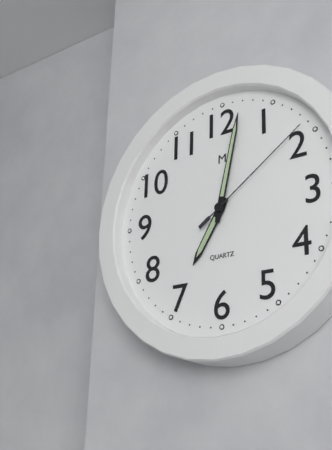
7:02:09
